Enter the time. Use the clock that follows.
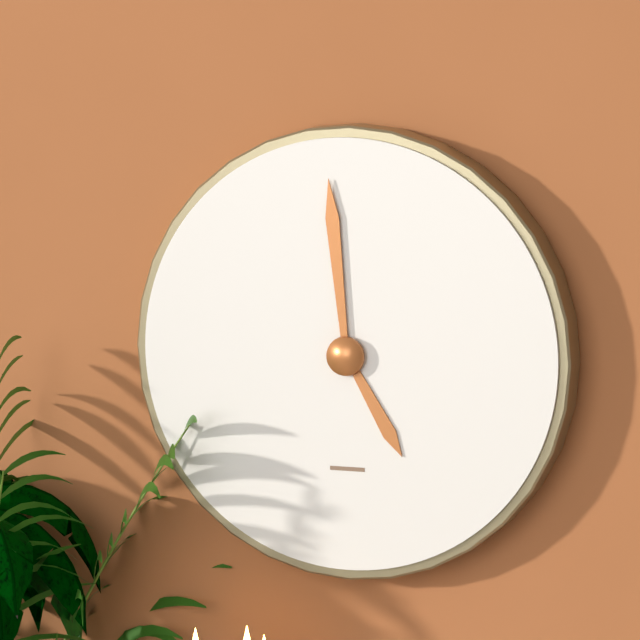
4:59
